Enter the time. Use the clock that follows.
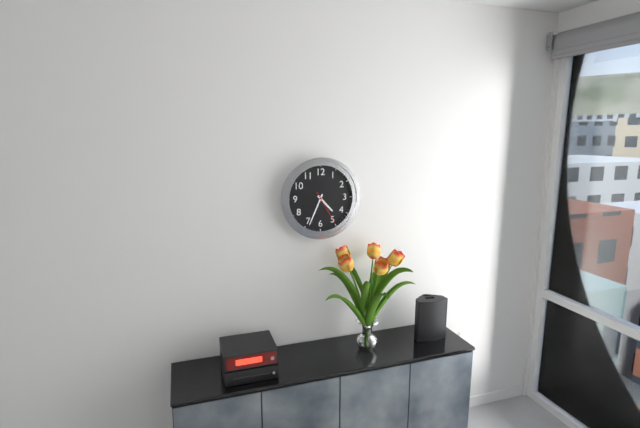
4:34
